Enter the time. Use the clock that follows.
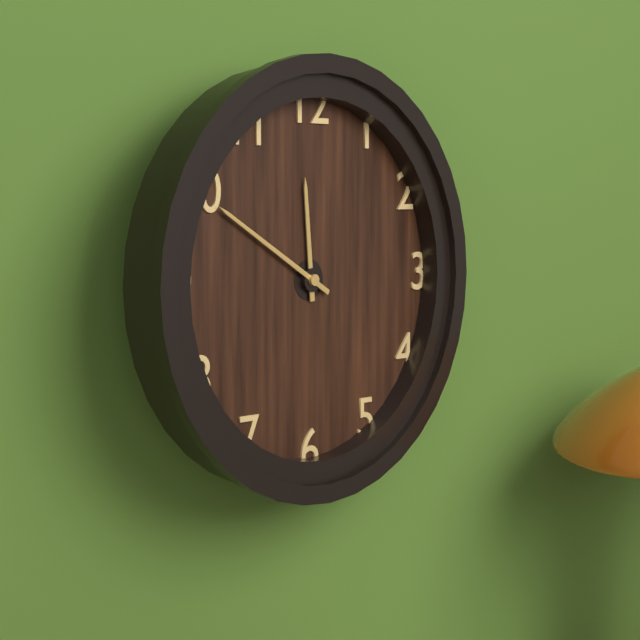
11:50
